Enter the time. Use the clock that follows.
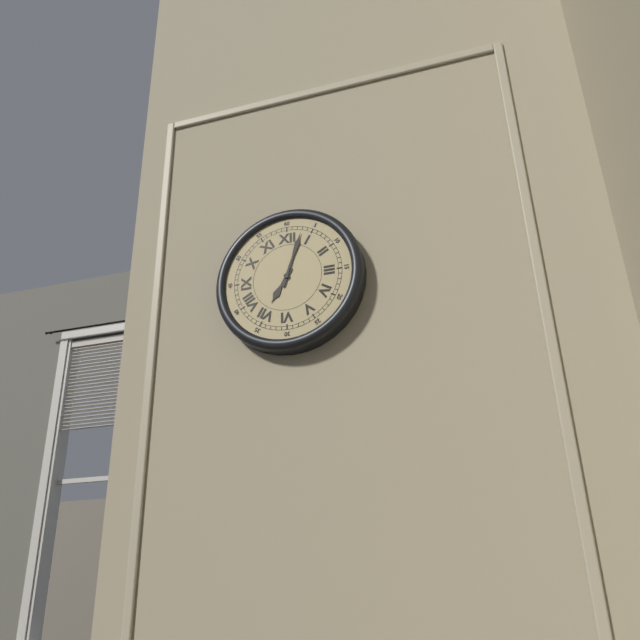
7:03
